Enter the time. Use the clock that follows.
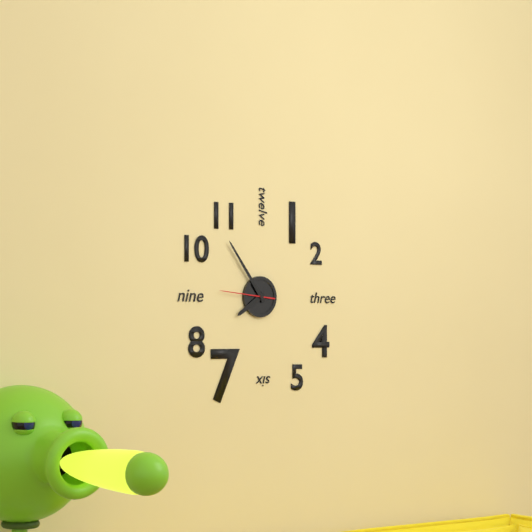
7:54:46
